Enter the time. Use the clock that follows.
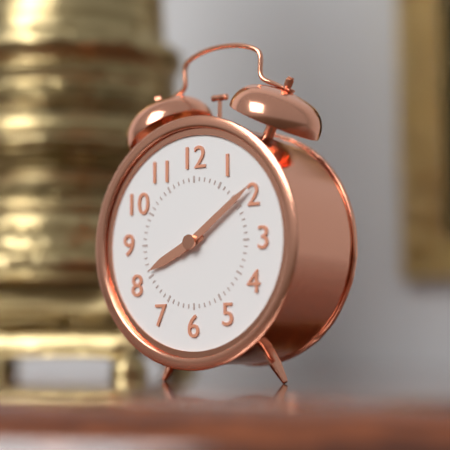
8:09
